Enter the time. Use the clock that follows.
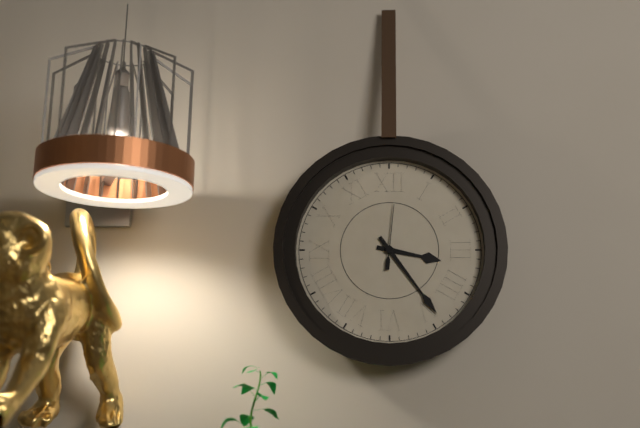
3:24:01
